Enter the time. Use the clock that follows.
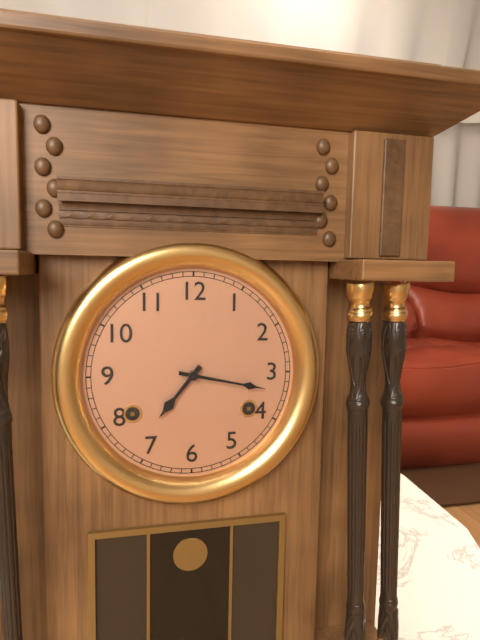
7:17
